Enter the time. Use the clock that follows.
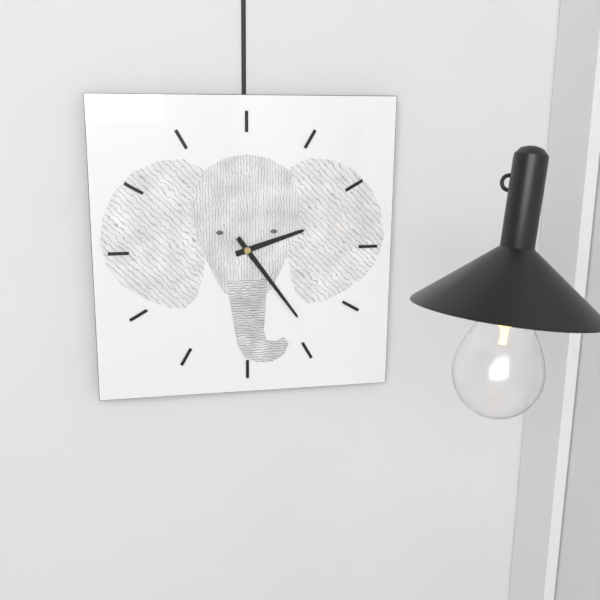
2:24
